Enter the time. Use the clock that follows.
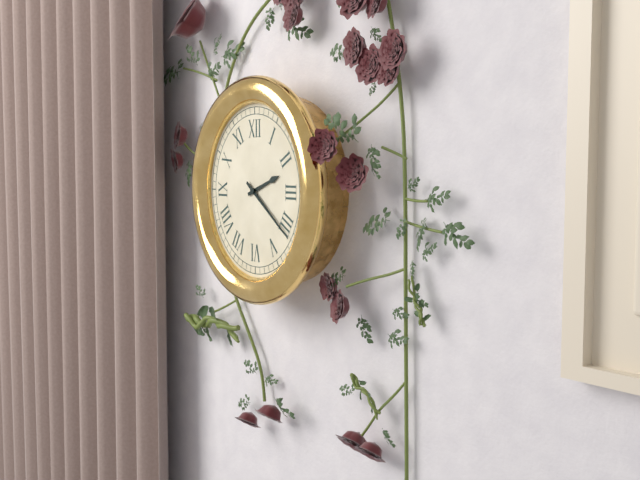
2:21
